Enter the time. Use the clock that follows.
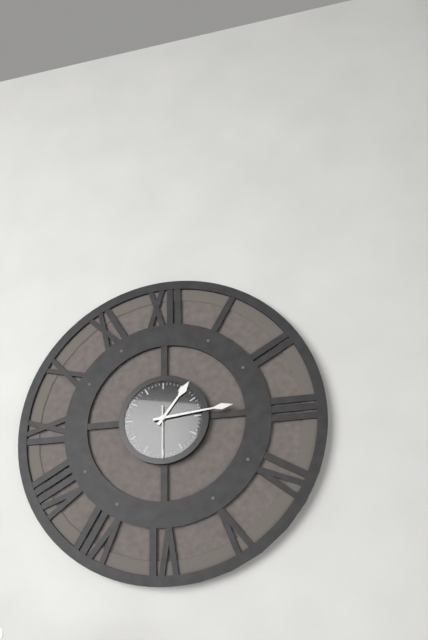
1:14
